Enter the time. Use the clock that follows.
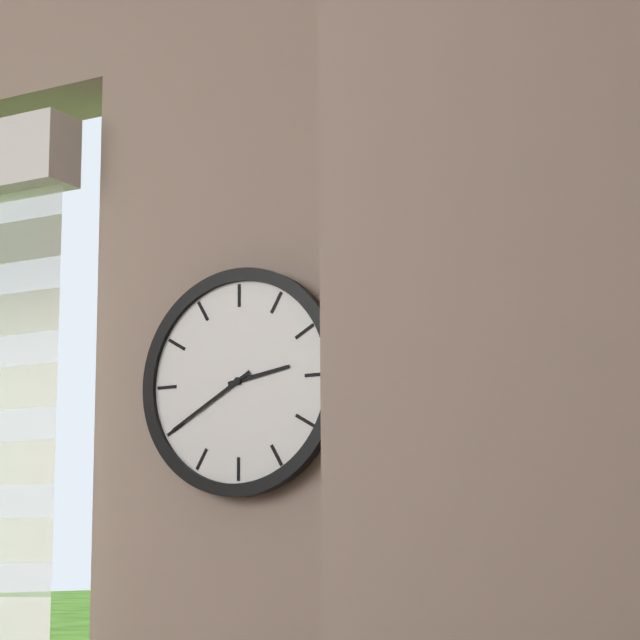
2:40
